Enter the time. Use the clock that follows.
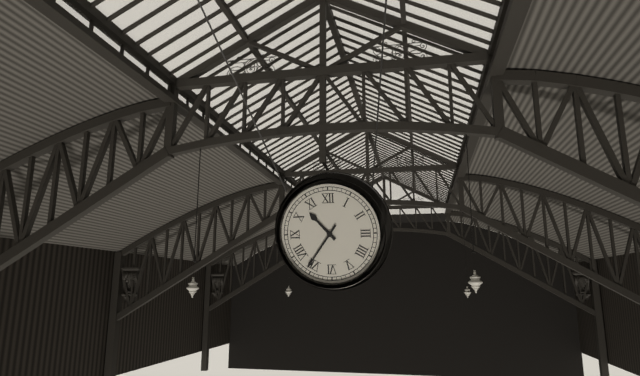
10:36
